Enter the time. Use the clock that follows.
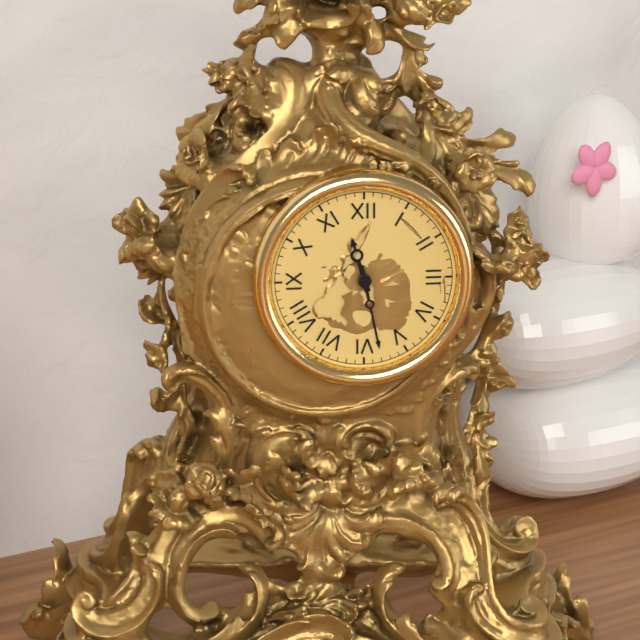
11:28
